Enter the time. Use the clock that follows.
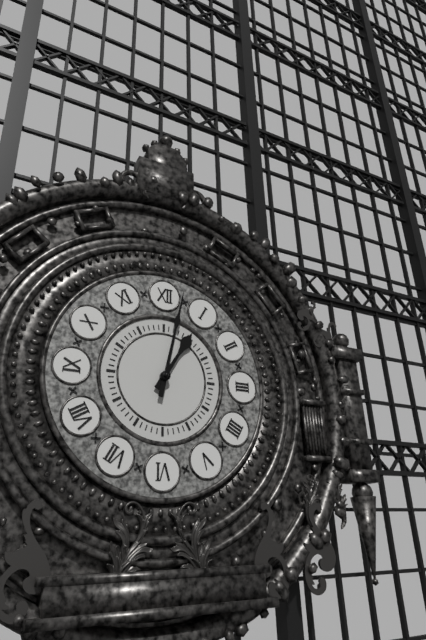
1:02
